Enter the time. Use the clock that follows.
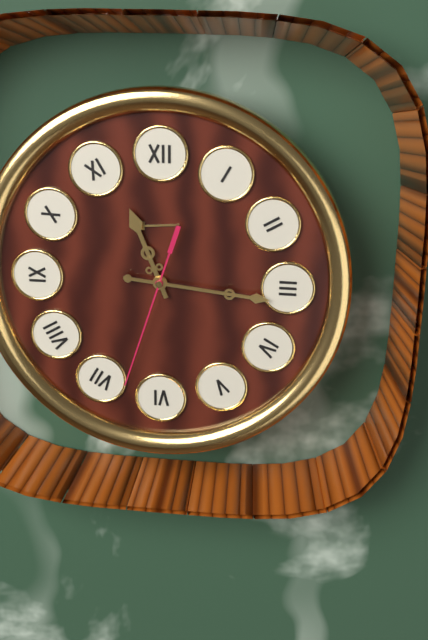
11:16:33
